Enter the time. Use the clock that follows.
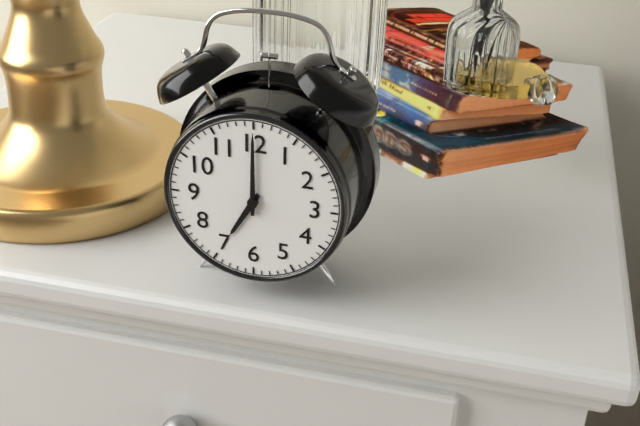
7:00
